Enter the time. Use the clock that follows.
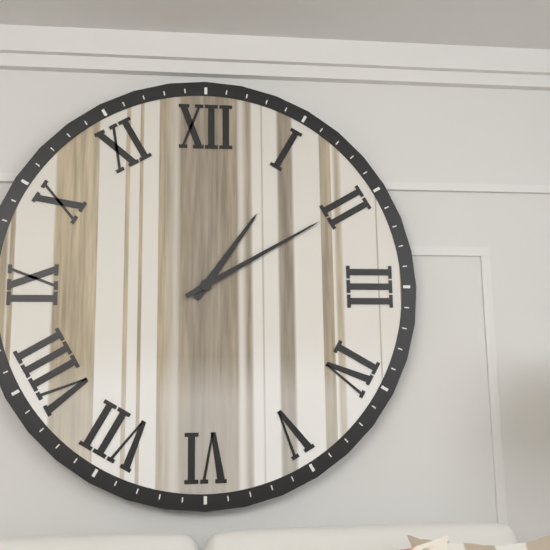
1:10
